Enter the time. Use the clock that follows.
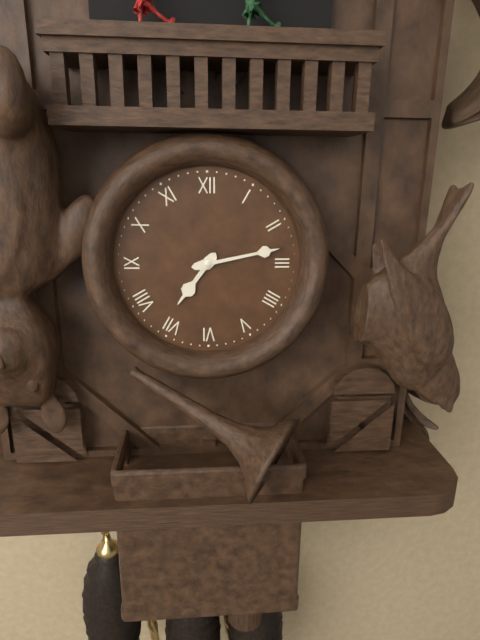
7:13
